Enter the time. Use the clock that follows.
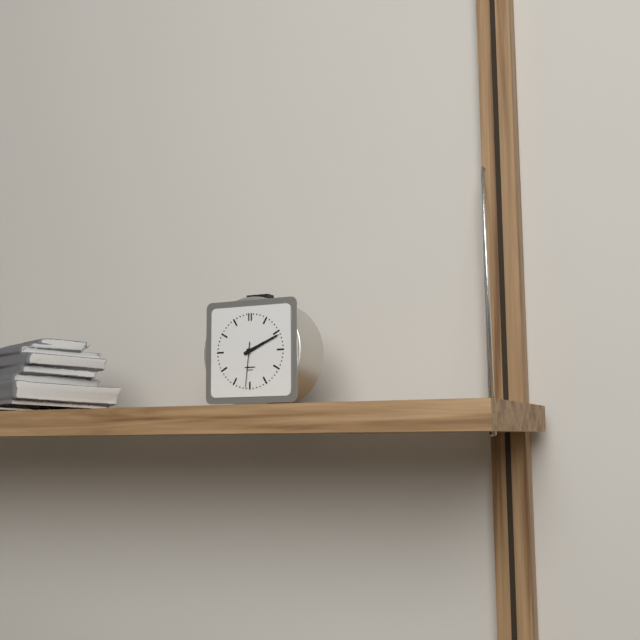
2:11
